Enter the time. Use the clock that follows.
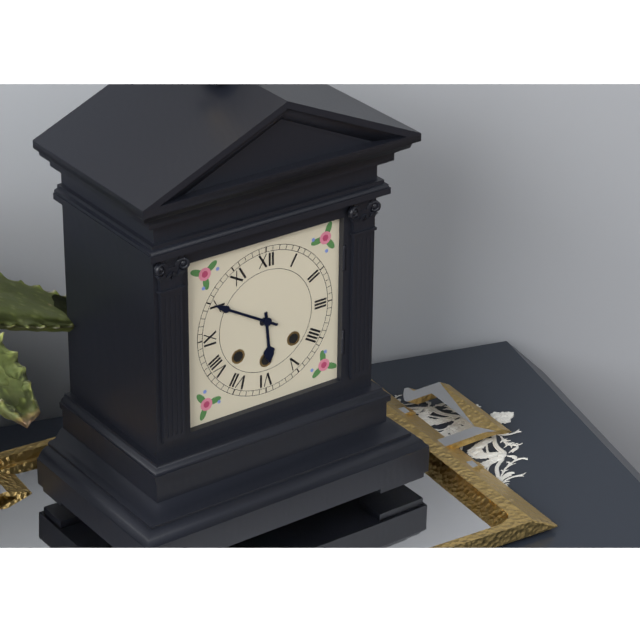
5:50
